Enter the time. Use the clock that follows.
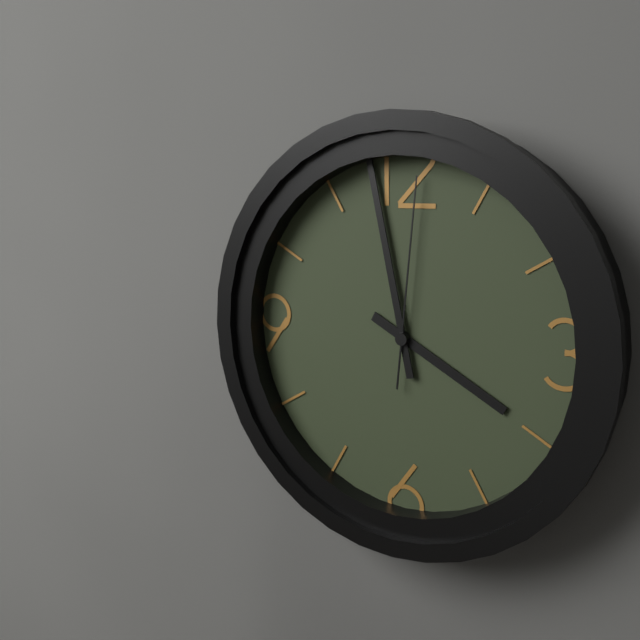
3:58:01
